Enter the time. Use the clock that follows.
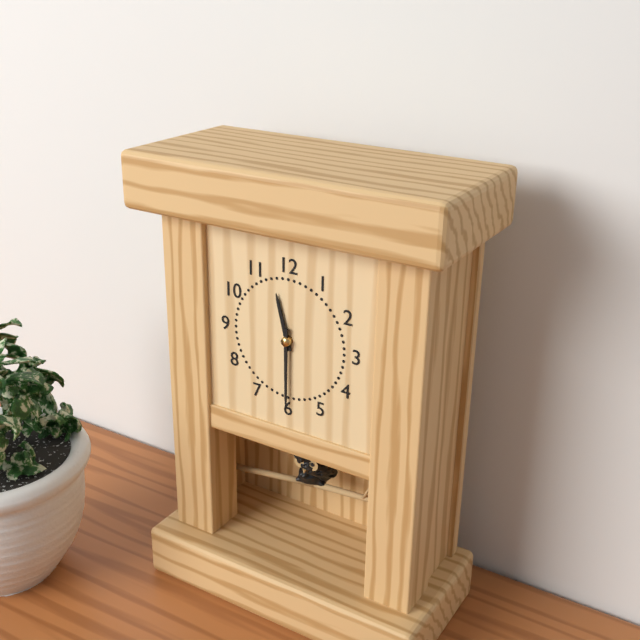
11:30
